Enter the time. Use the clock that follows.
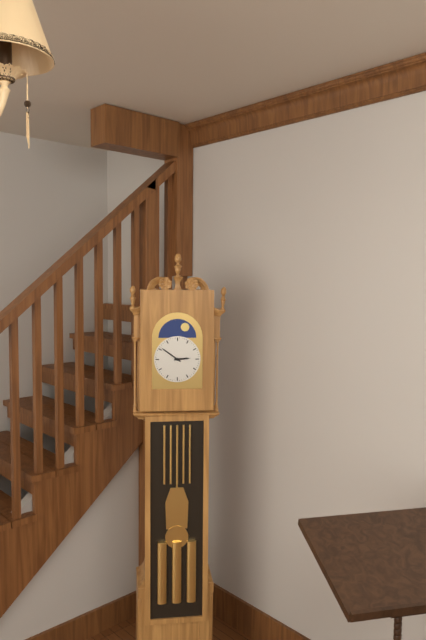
2:51
